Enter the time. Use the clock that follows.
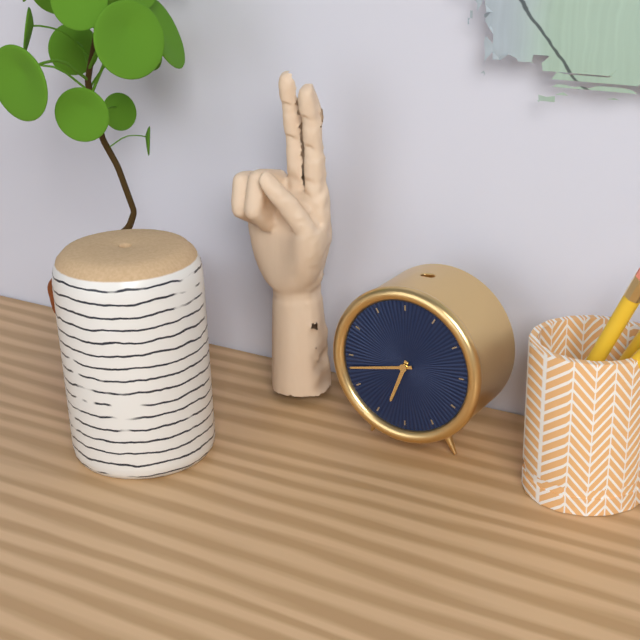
6:43
